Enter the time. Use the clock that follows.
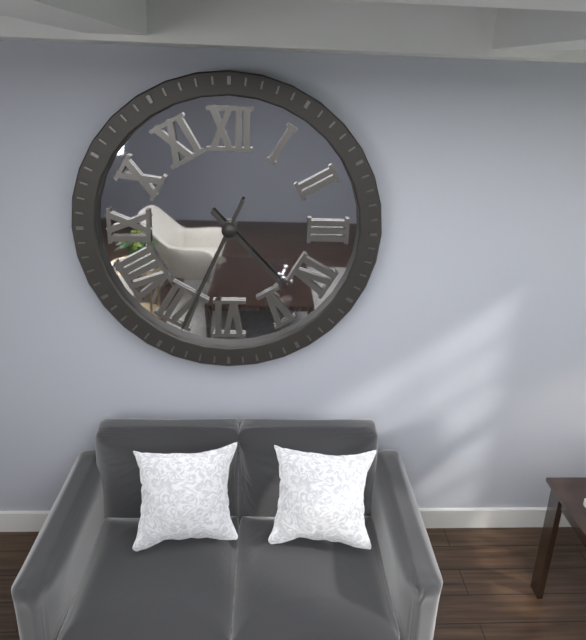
4:34
